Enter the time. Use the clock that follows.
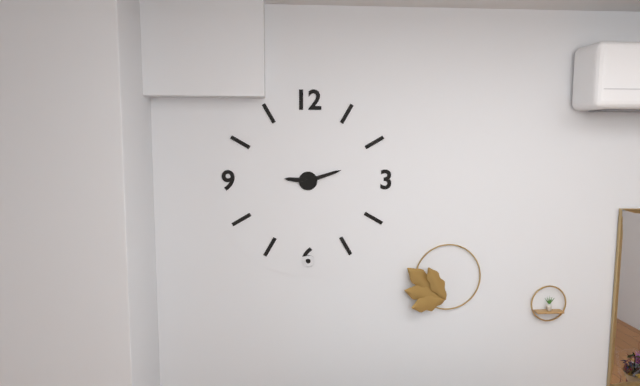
9:12
